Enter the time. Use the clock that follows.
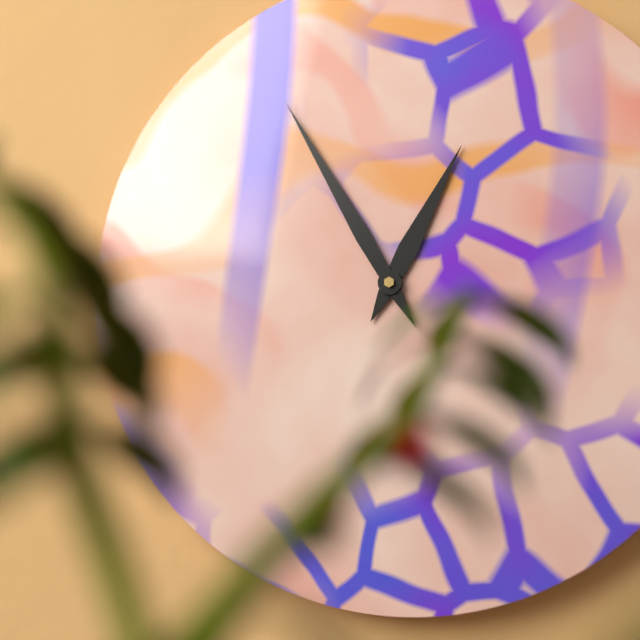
12:55
